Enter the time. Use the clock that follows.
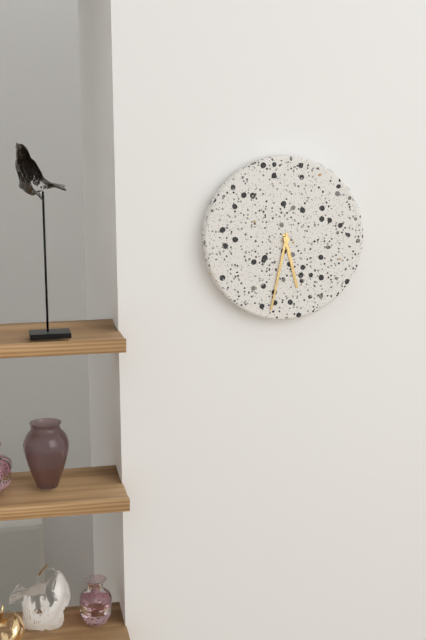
5:32
